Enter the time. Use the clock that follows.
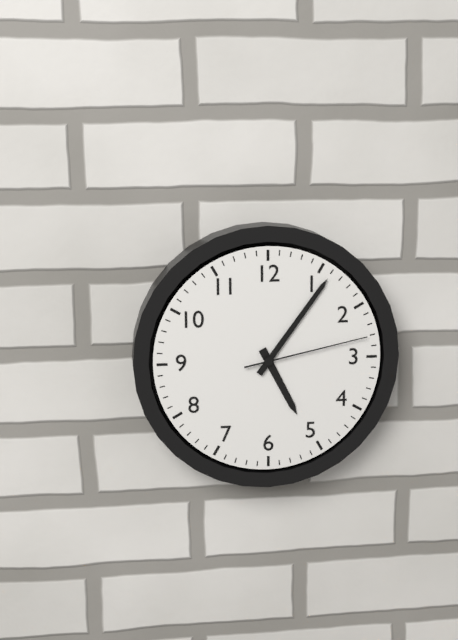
5:06:13
